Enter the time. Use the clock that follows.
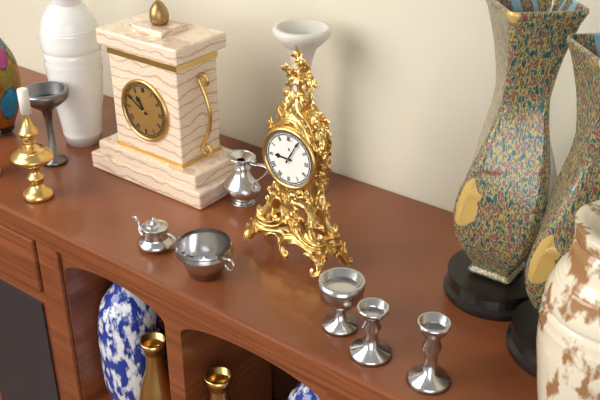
9:05
